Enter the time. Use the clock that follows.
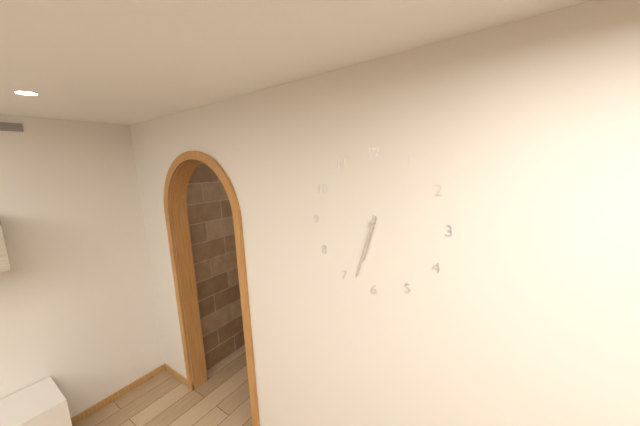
6:33
